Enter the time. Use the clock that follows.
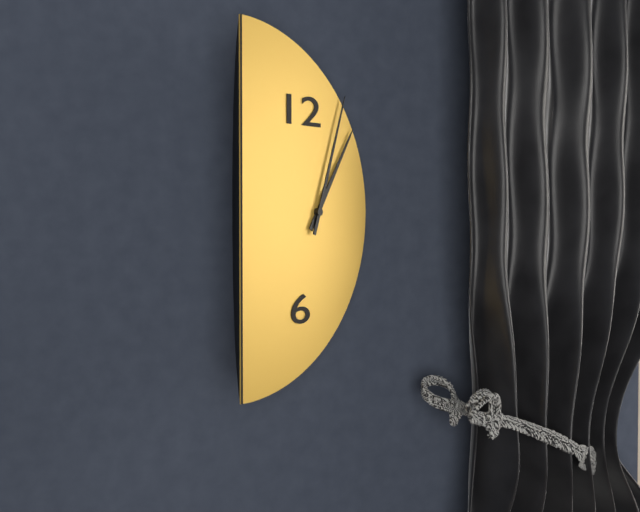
1:03
